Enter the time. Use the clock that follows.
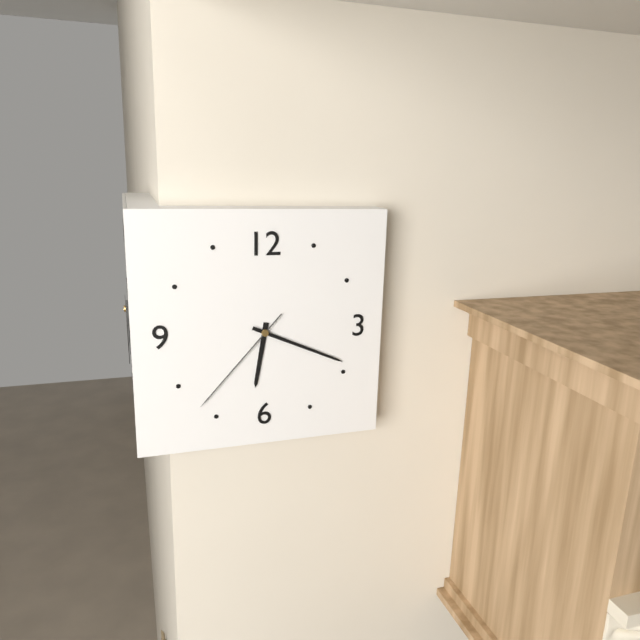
6:19:37
